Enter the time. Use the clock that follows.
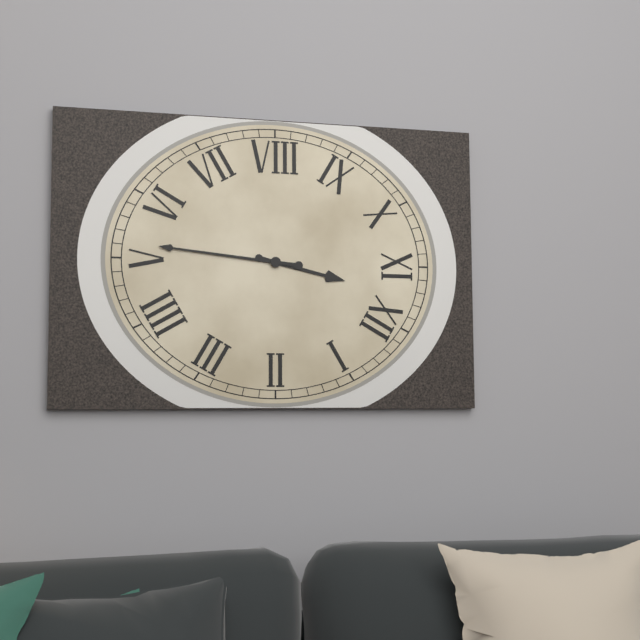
11:26
